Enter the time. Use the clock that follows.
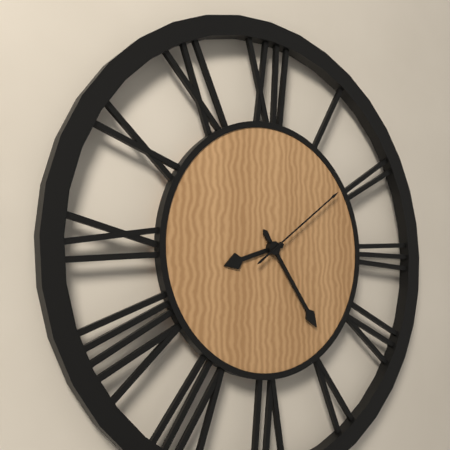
8:24:09
